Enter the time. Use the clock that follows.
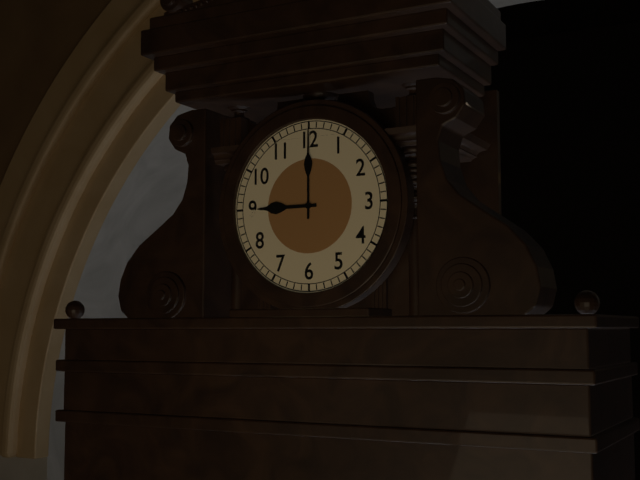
9:00
